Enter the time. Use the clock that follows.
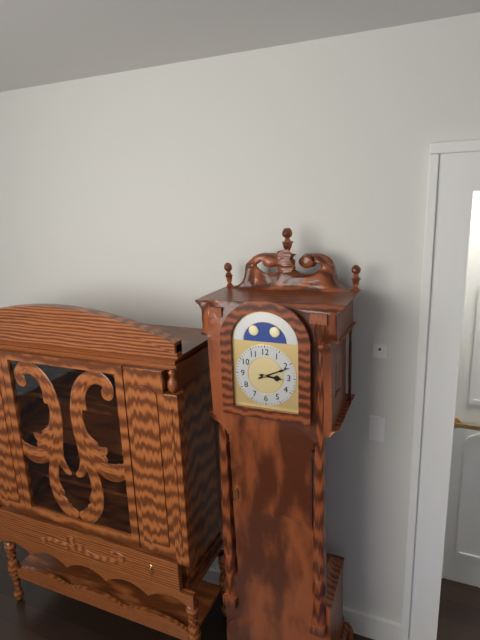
3:11
